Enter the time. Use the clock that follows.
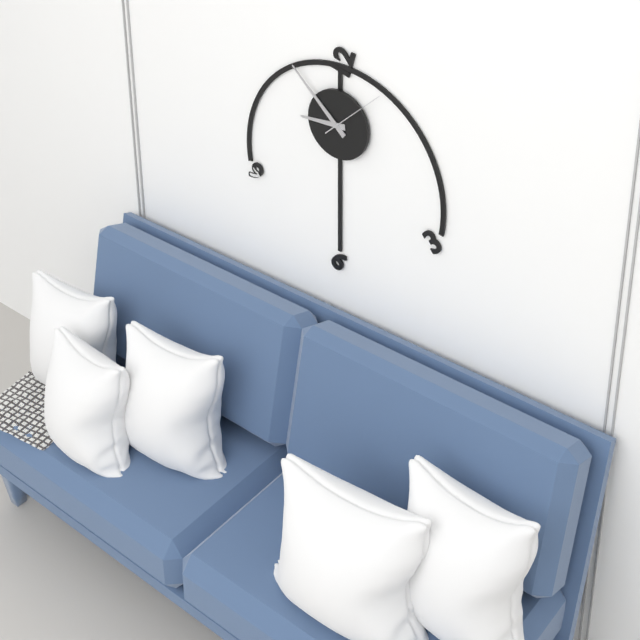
8:52:08
